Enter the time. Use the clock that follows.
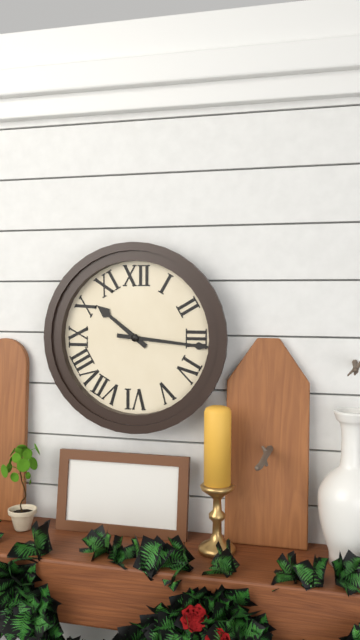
10:16
